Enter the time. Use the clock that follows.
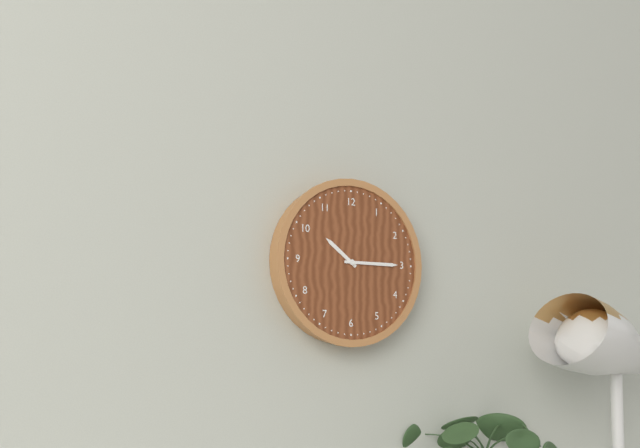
10:15
